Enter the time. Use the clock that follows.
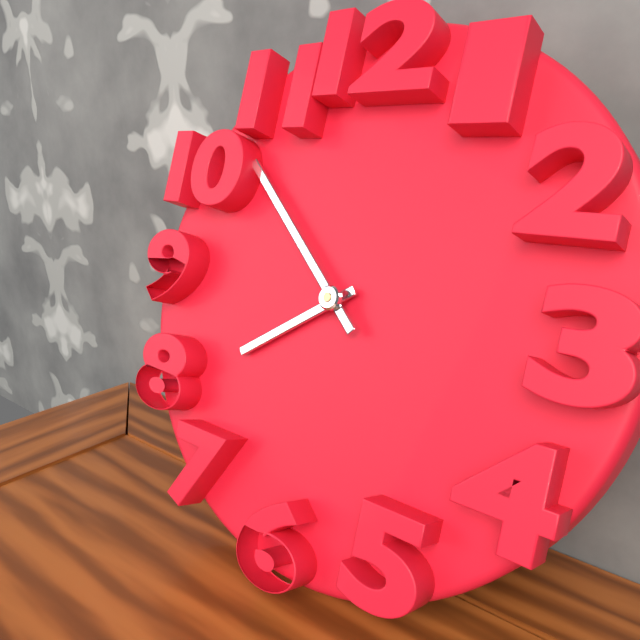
7:52
